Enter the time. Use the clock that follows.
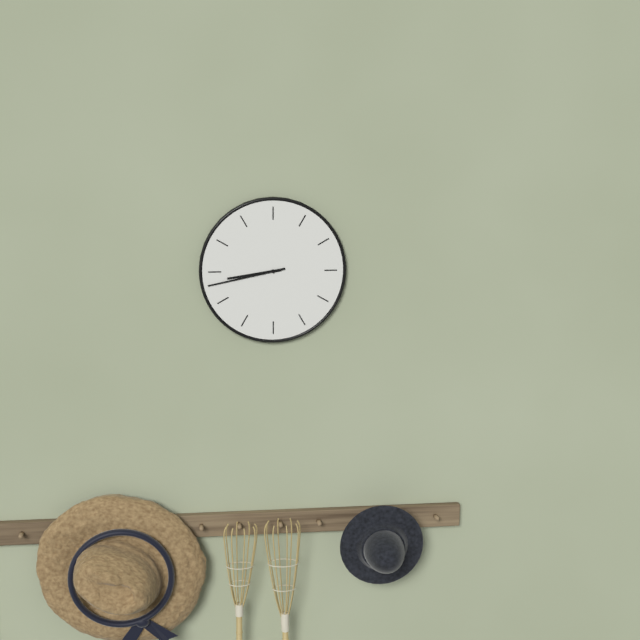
8:43
